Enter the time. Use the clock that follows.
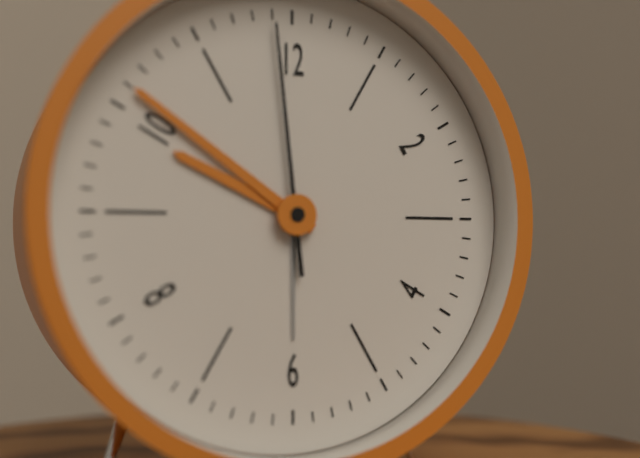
9:51:59
